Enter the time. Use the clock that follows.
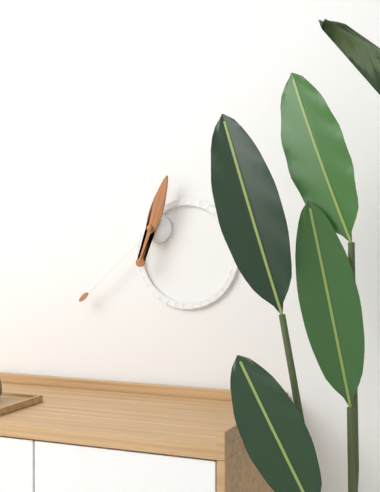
12:38
